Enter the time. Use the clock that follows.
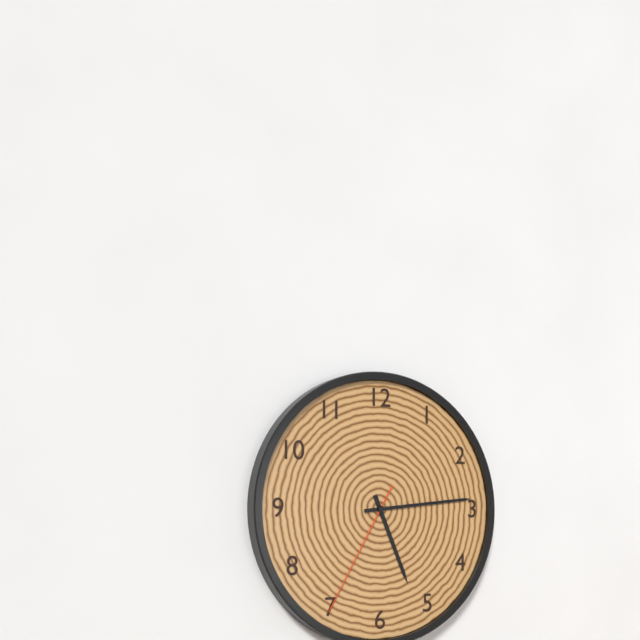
5:14:35
